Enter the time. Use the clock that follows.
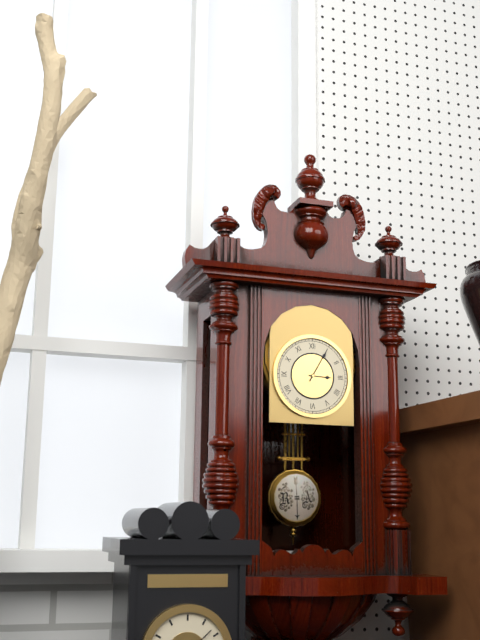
3:05
